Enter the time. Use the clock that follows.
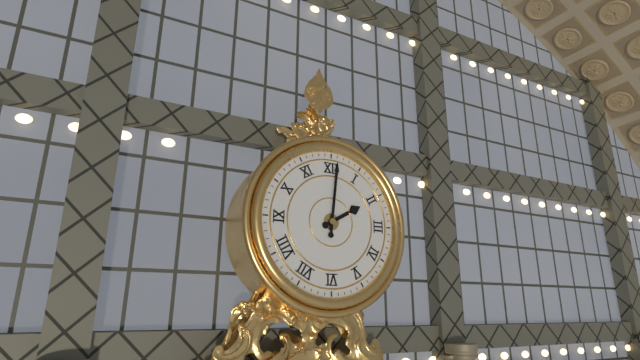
2:01
